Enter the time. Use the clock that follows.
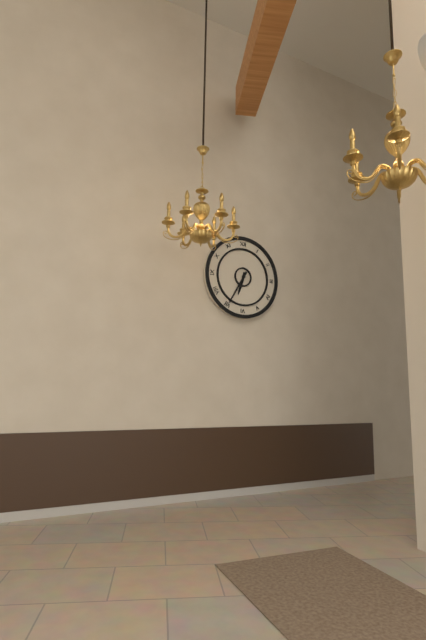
6:35
